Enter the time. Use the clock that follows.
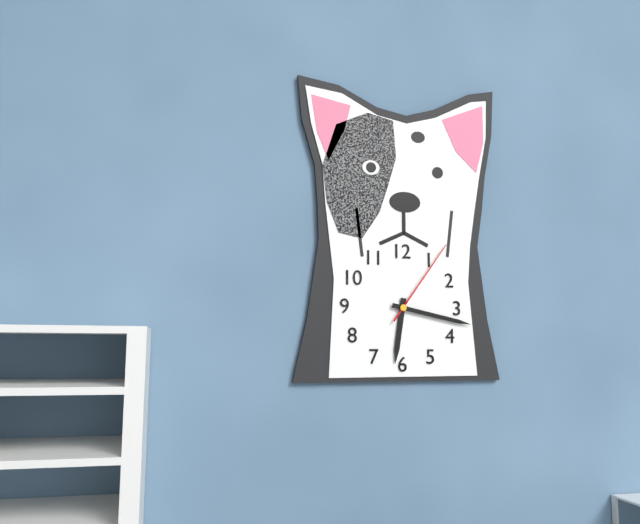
6:17:06
